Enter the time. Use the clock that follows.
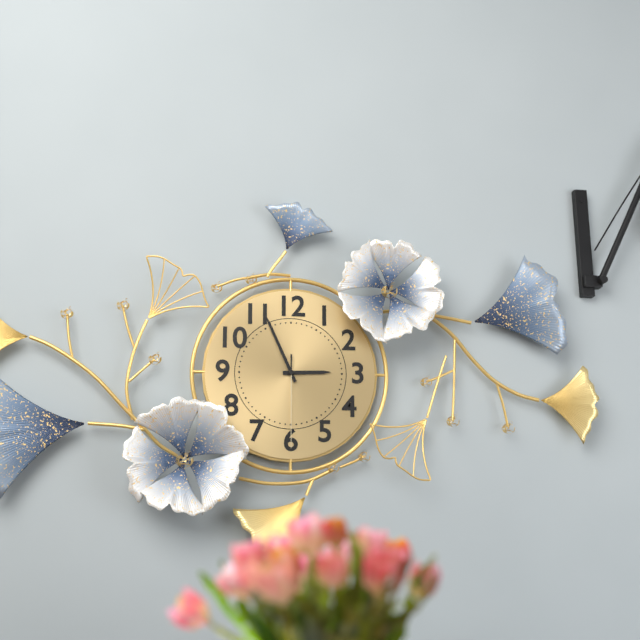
2:56:30
